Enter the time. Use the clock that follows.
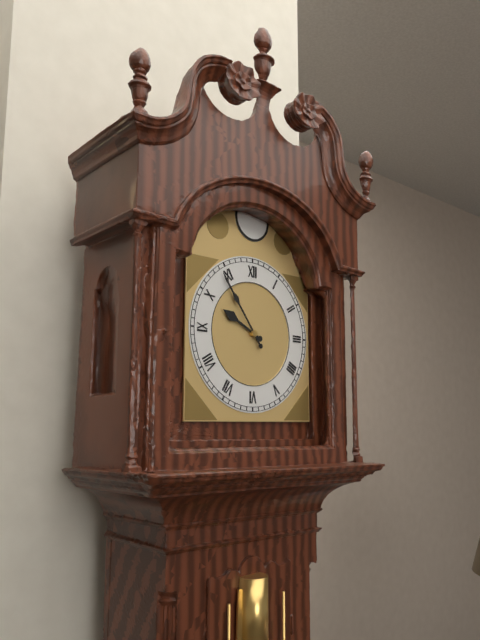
9:54
